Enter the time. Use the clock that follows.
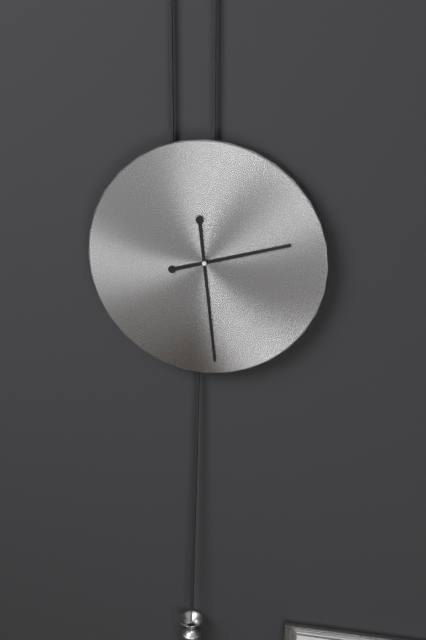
2:29
